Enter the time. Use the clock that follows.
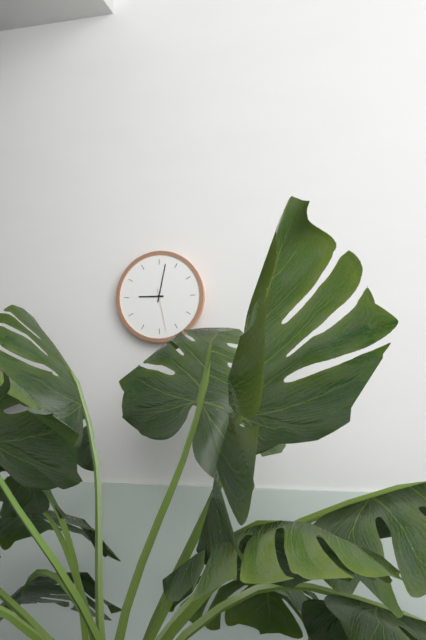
9:02
